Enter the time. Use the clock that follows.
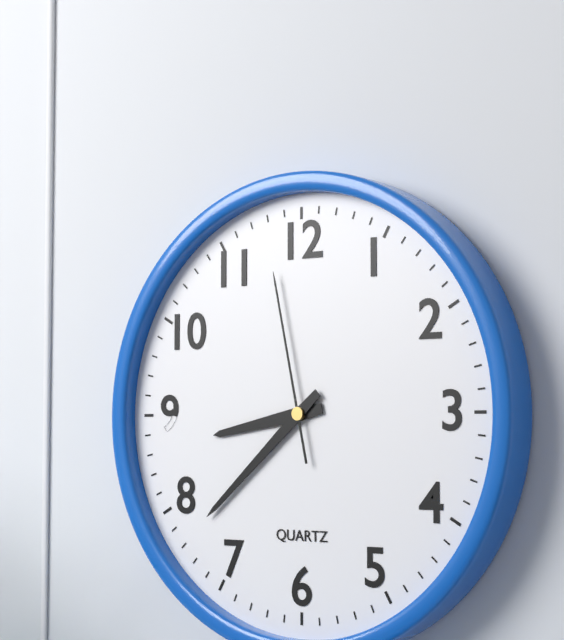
8:38:58
